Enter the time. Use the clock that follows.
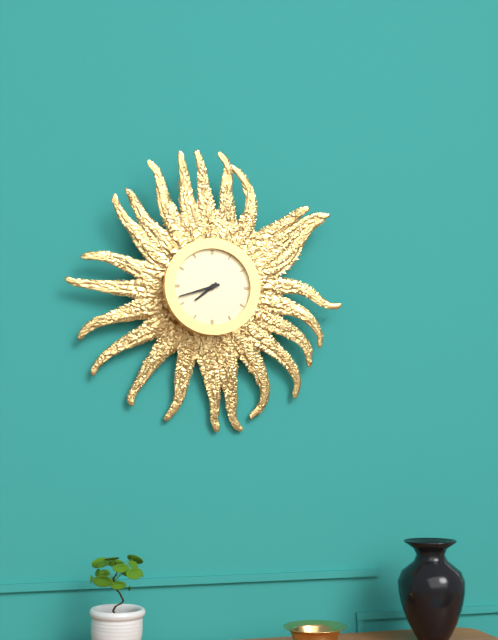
7:42
